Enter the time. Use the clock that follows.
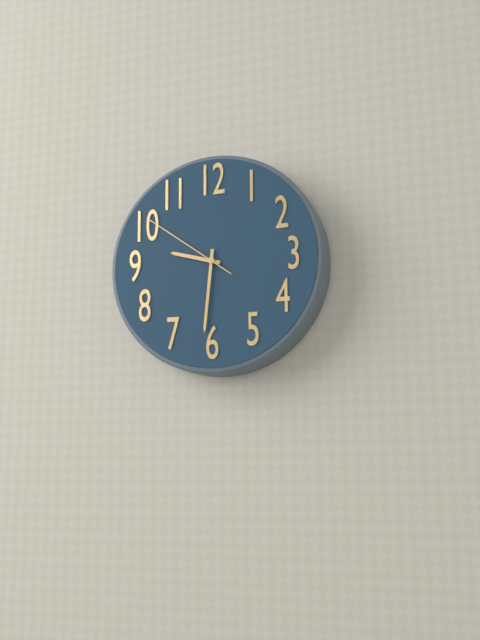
9:31:51
